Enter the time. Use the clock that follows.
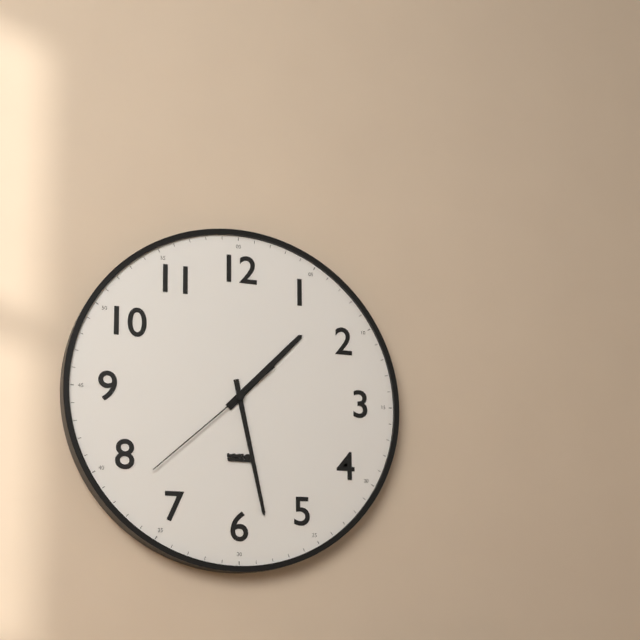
1:28:38
